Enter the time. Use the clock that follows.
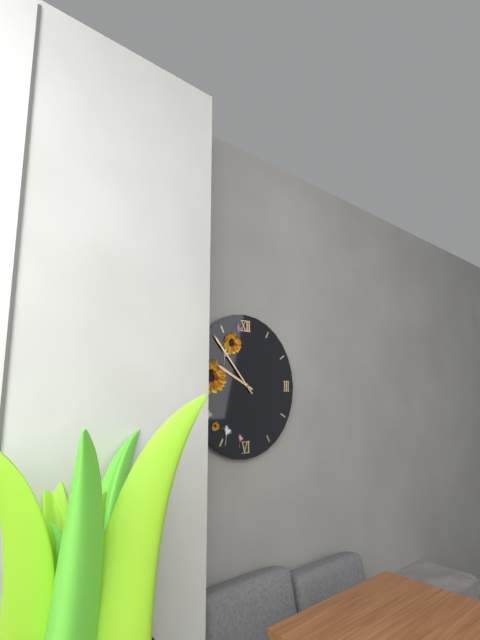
9:53
